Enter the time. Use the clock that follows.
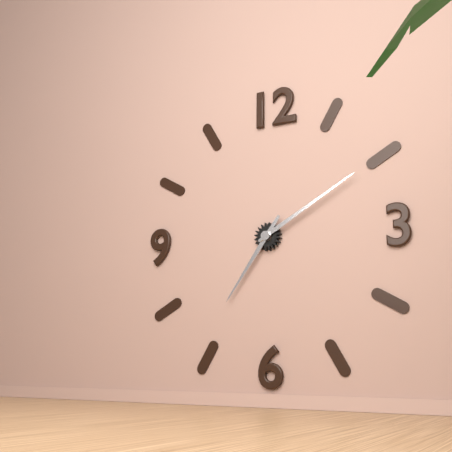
7:10
